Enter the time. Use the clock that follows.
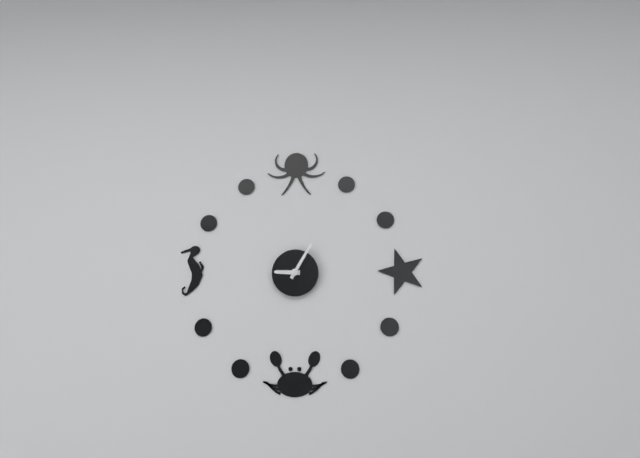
9:05
